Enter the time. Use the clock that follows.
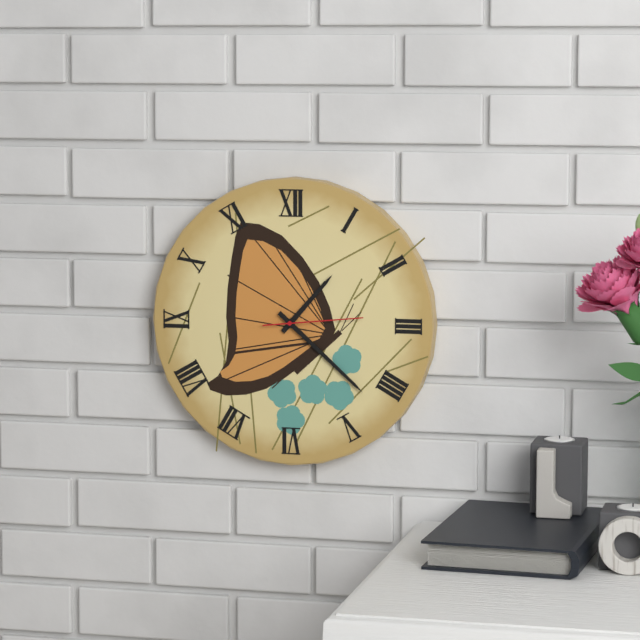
1:22:14
